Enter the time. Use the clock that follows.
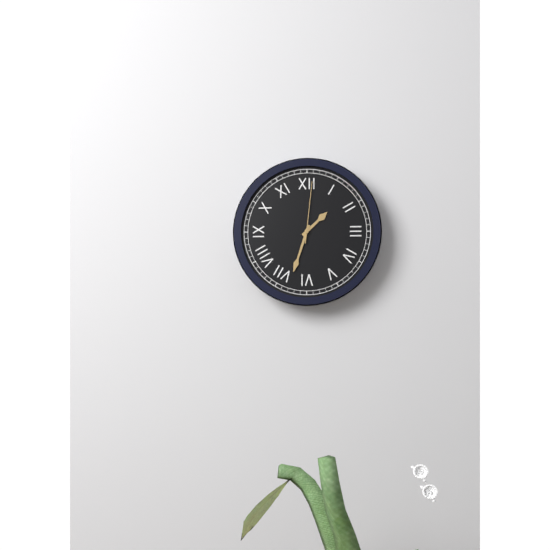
1:33:01
